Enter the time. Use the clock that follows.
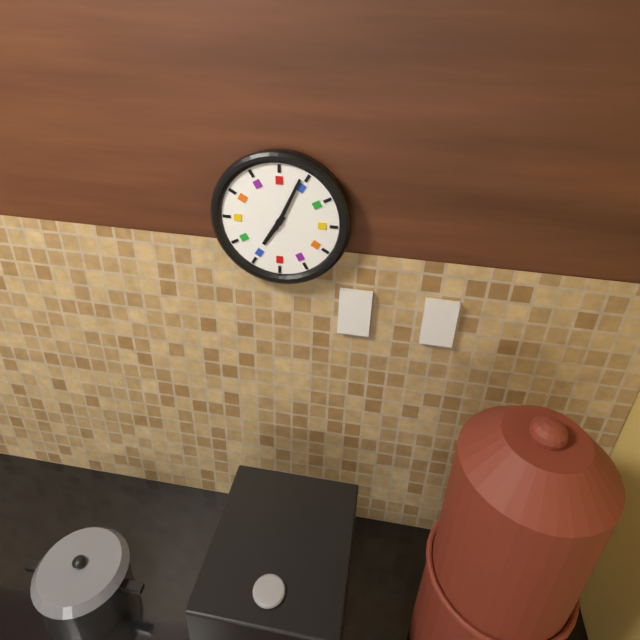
7:04
